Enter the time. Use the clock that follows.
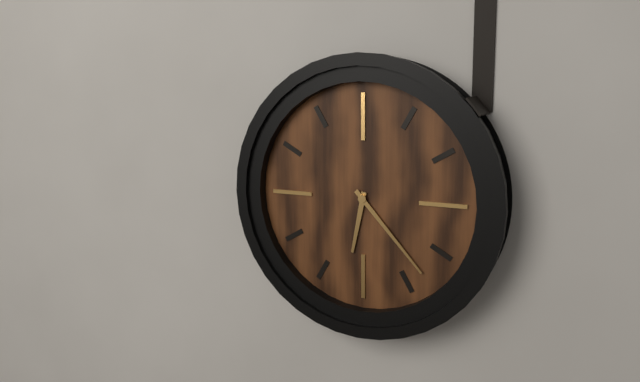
6:23
